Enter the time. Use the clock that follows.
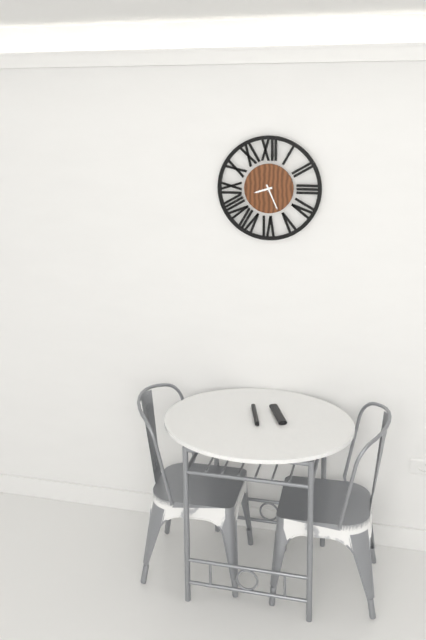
8:26
